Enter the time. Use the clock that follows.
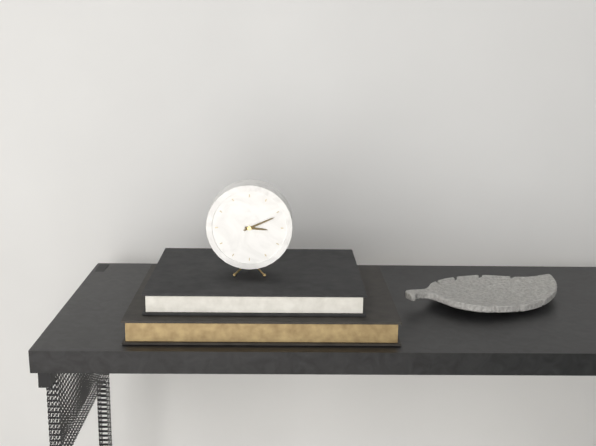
3:11
